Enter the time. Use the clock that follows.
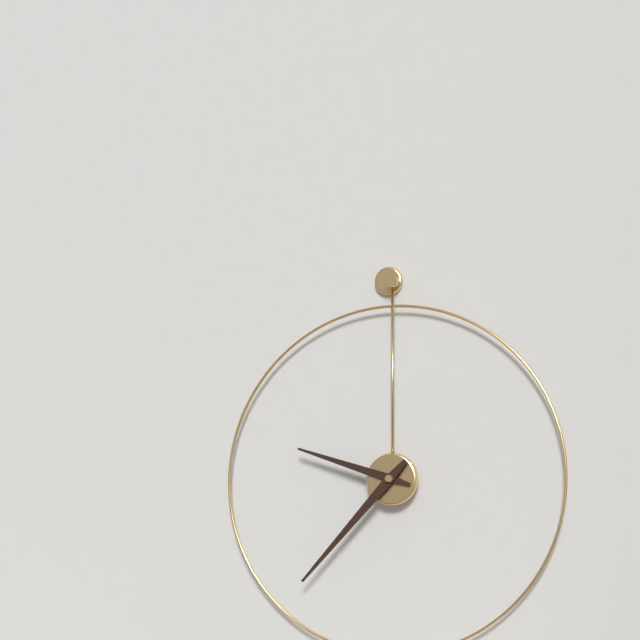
9:37
